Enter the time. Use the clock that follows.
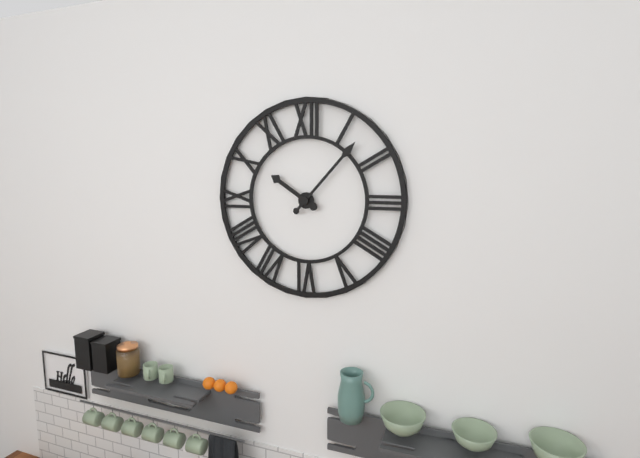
10:07
